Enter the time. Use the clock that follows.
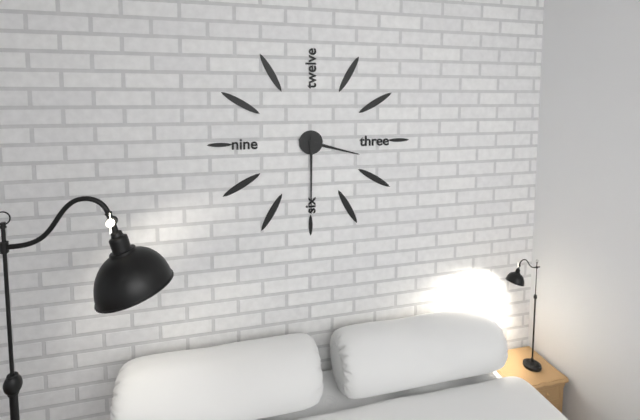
3:30
